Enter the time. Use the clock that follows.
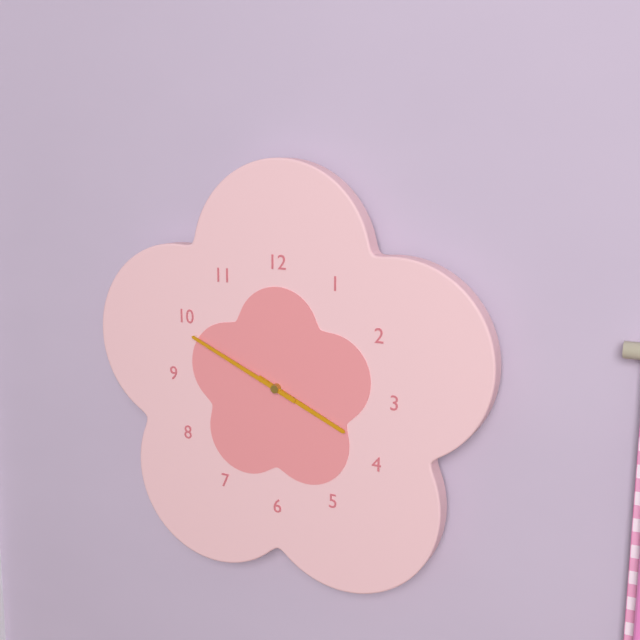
3:49
